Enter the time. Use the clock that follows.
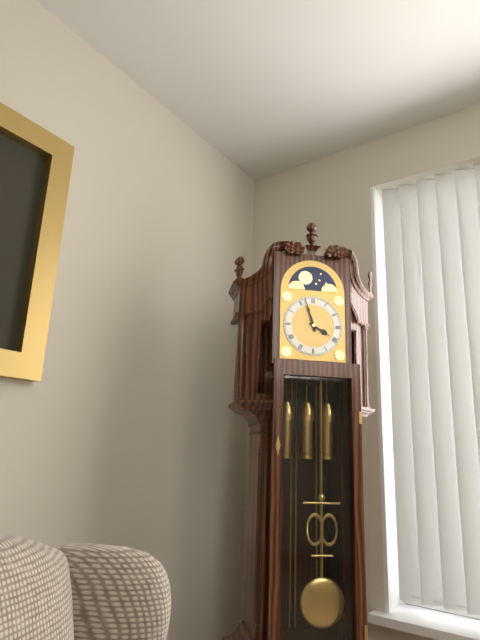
3:57
